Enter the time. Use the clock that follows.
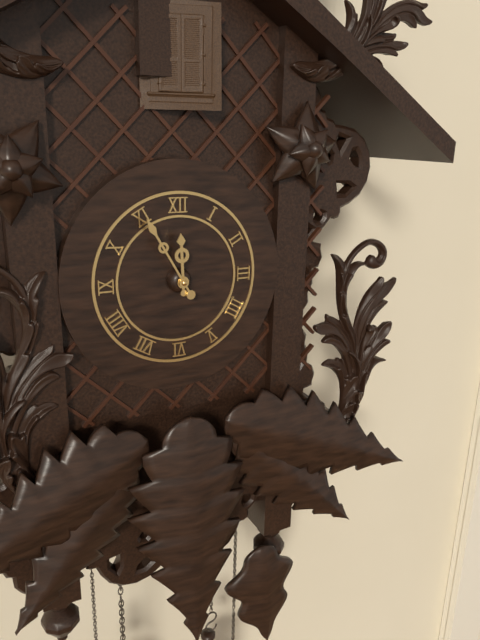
11:55
